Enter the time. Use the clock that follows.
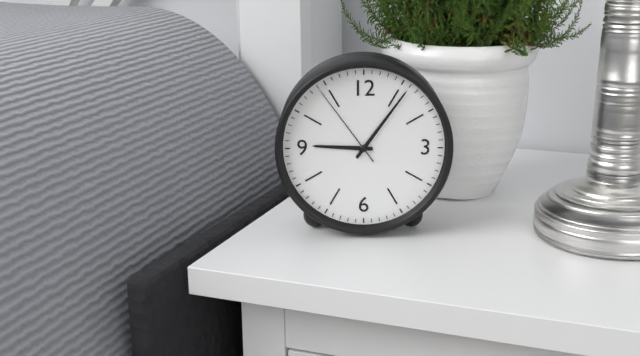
9:06:54
